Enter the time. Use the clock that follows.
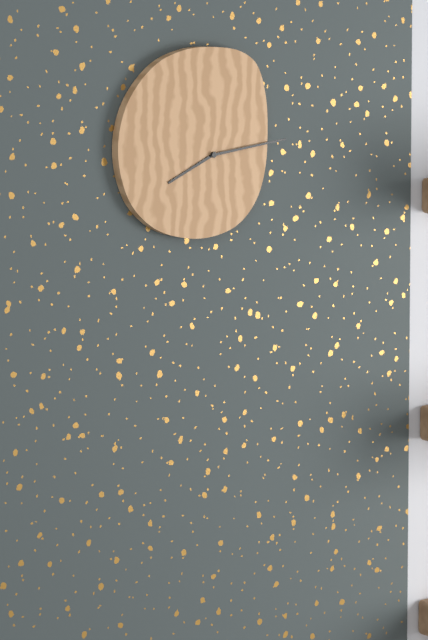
8:14
